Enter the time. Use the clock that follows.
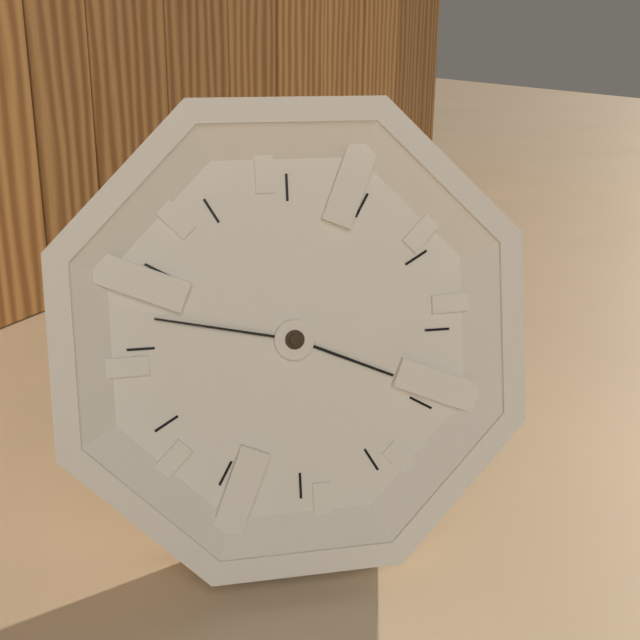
3:47
